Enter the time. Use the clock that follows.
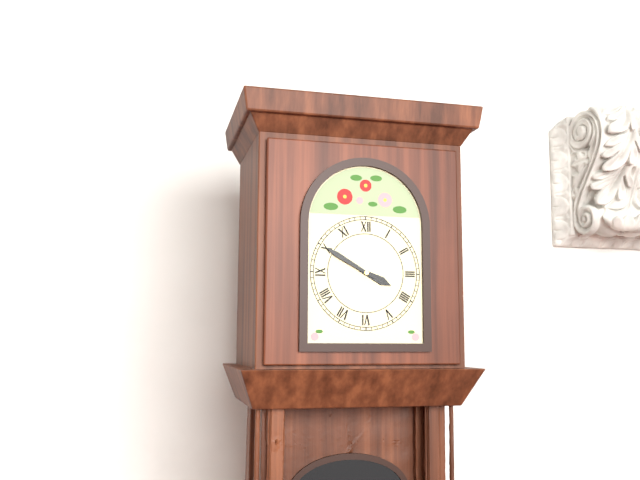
3:50
